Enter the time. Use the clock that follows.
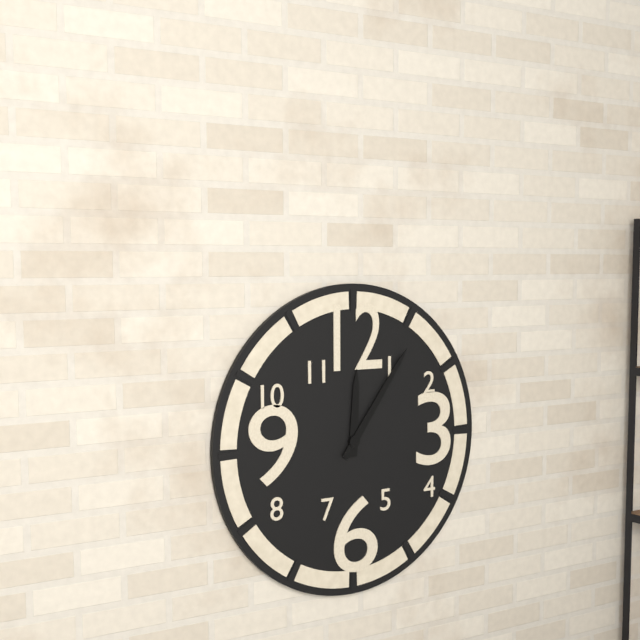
12:06
